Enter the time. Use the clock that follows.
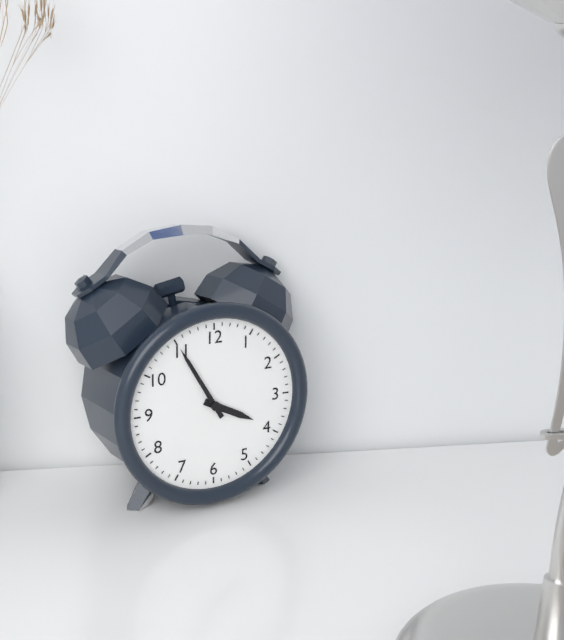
3:55
